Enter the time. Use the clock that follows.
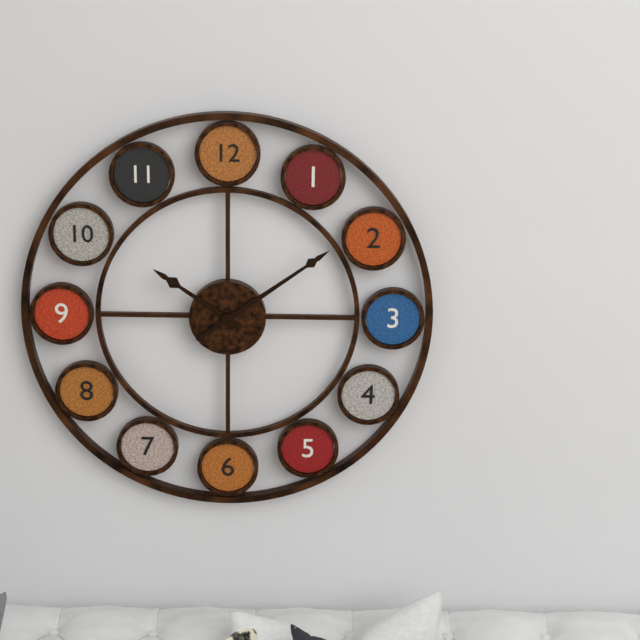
10:09
